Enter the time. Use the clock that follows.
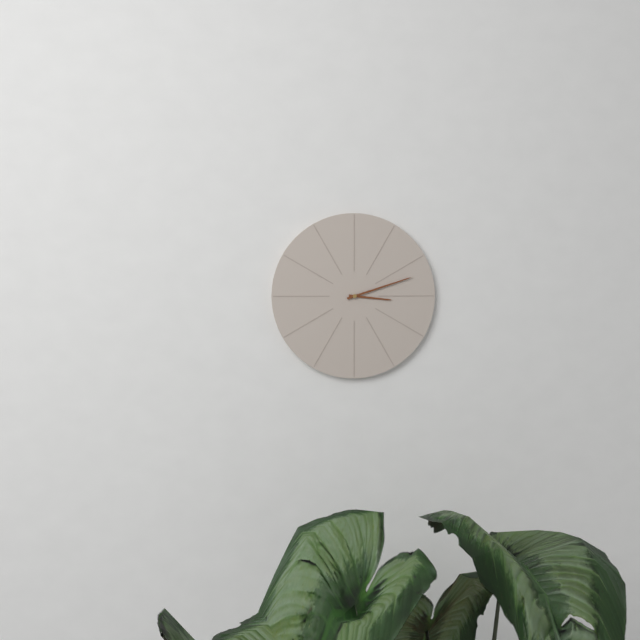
3:12
